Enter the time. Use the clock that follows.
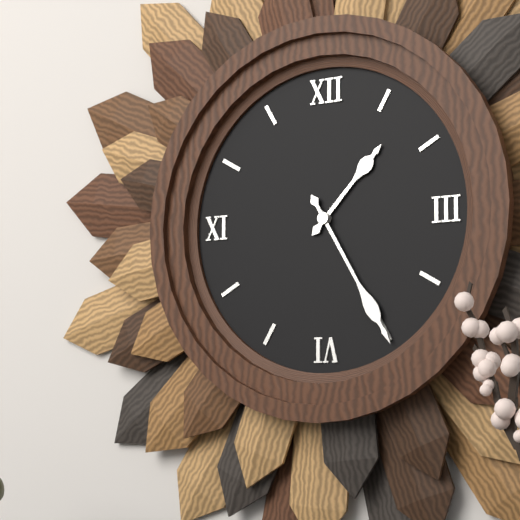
1:25
